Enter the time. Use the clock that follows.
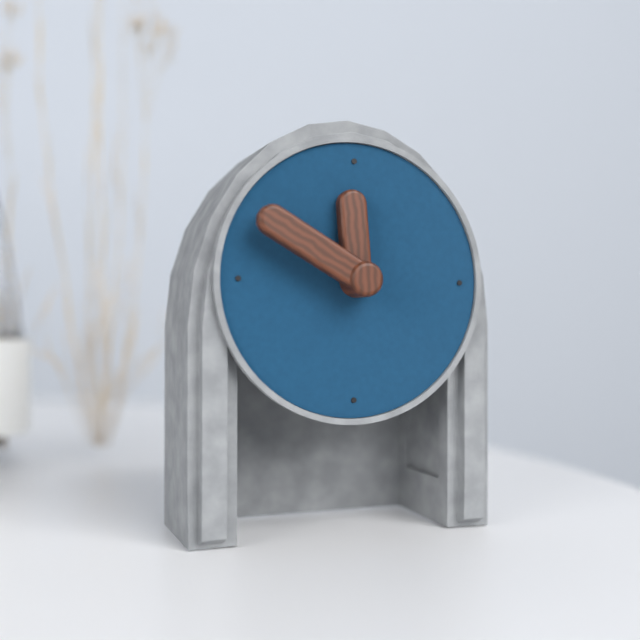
11:50
